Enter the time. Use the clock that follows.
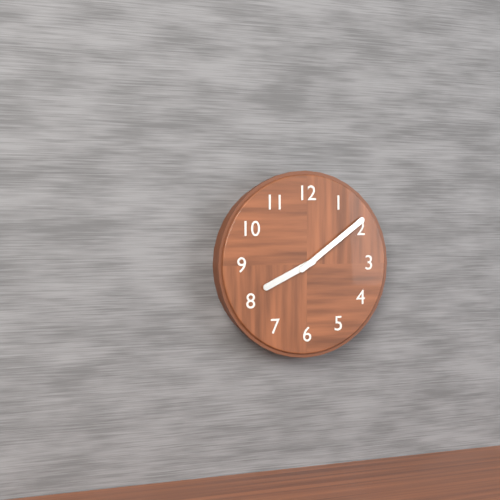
8:09
